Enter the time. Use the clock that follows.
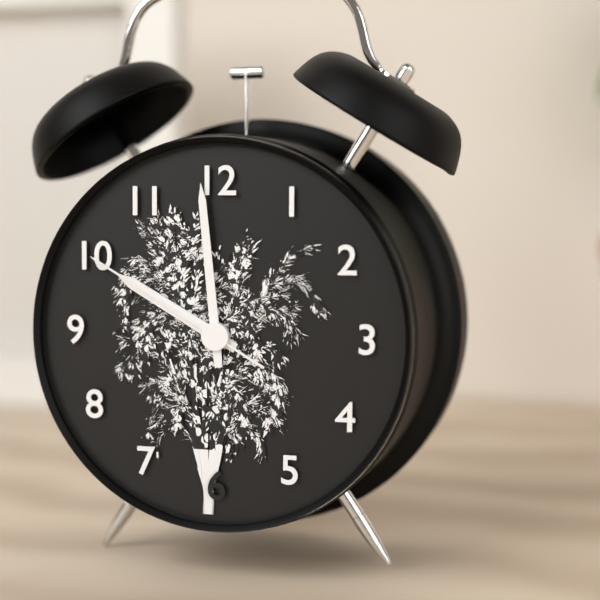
9:59:50
